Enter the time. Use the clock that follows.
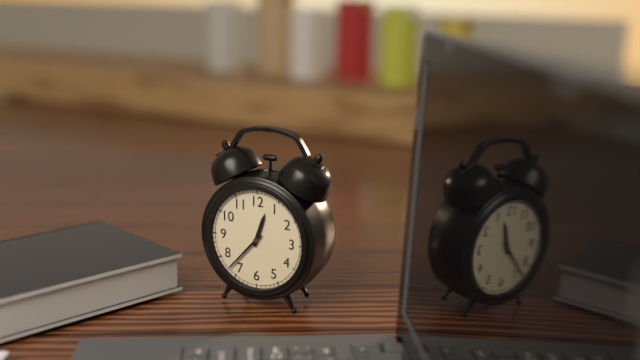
12:37
